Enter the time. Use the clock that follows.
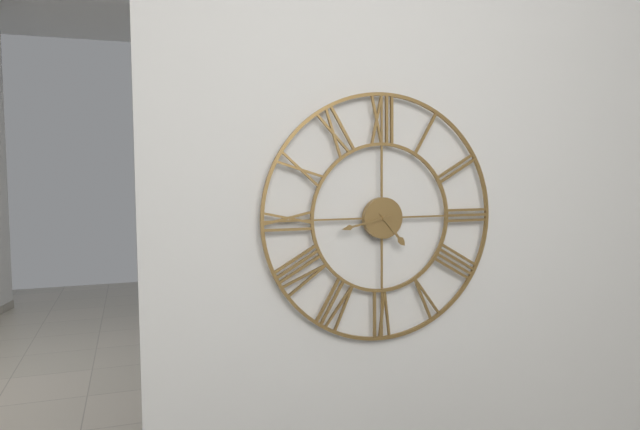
4:43
